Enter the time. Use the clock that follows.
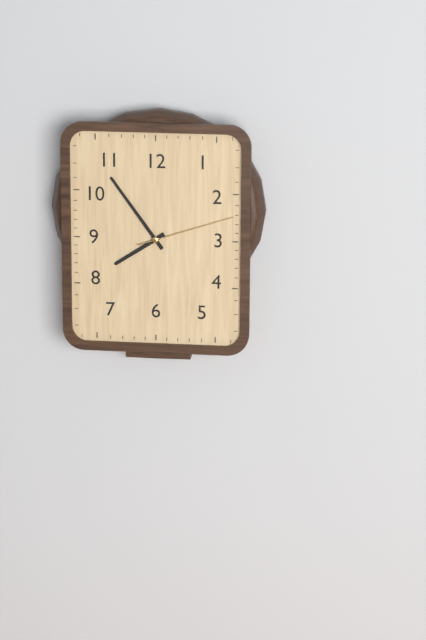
7:54:12
